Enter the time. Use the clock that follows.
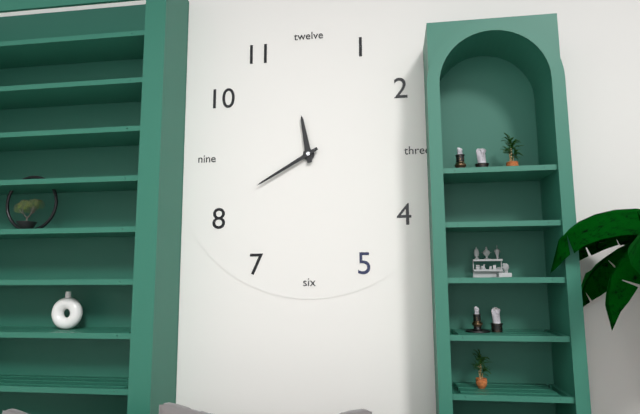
11:40
